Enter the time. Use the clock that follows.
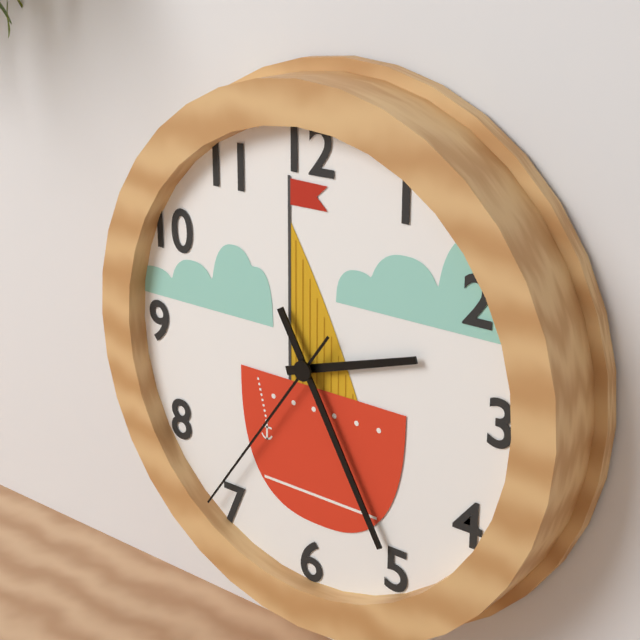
2:25:36
